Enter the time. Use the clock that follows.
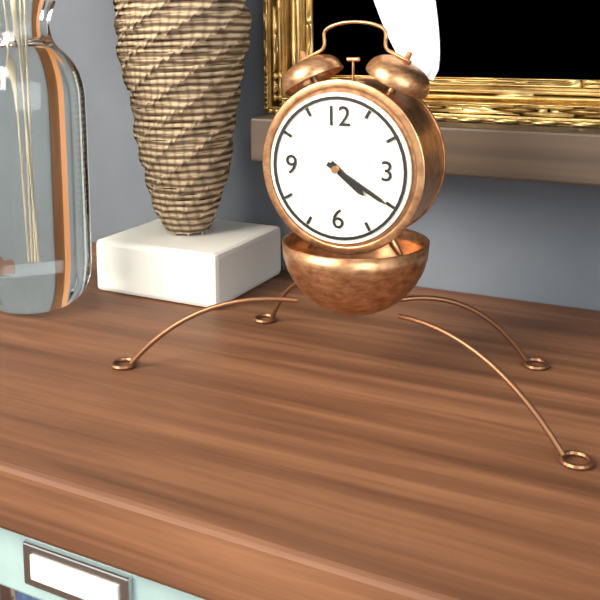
4:20
